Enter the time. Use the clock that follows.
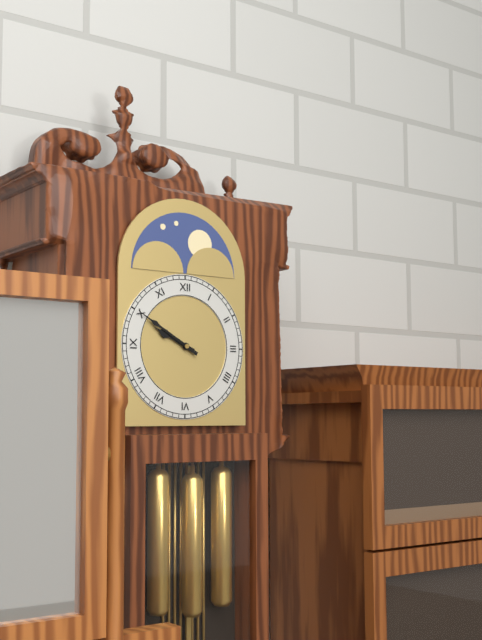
9:50
